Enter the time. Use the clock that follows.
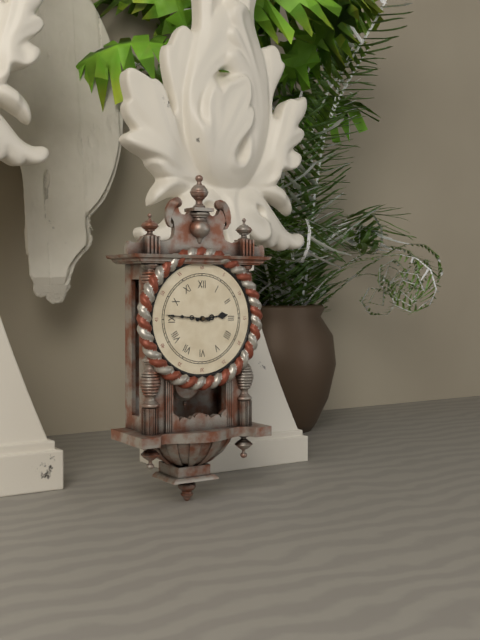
2:46
